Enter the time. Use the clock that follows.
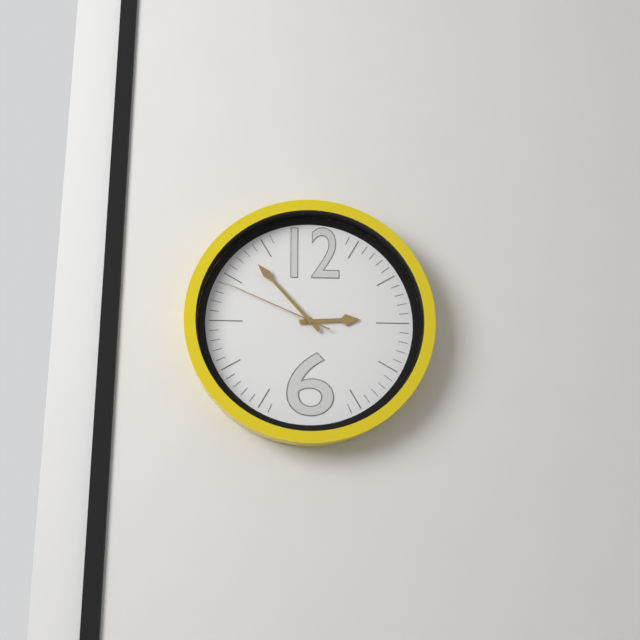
2:53:49
